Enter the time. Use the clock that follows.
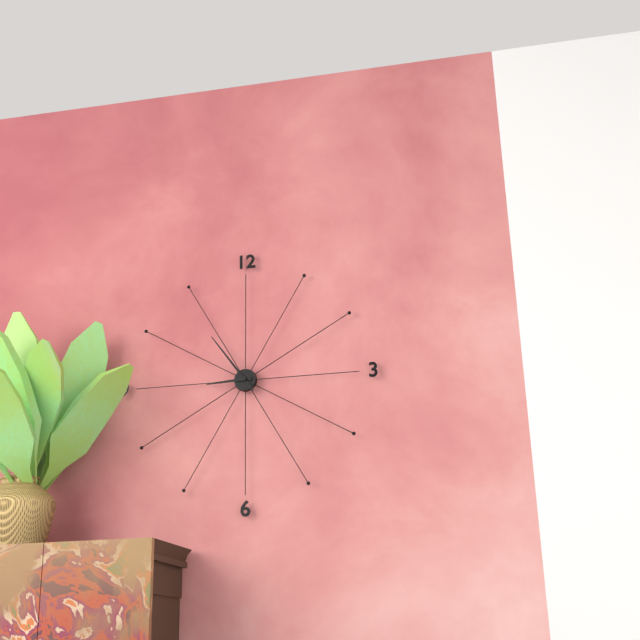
8:54
